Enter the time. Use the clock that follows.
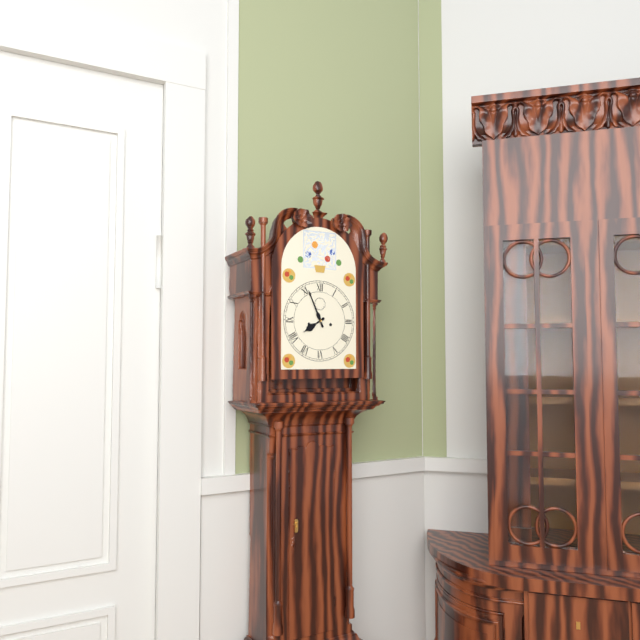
7:56
